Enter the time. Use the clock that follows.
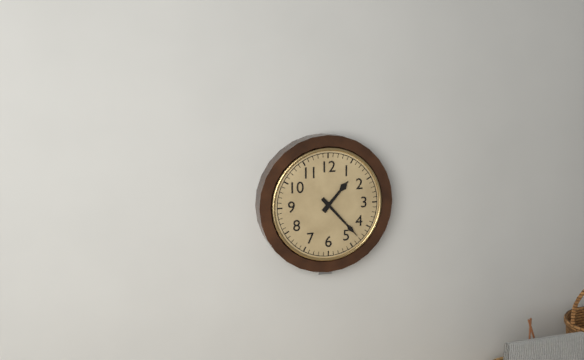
1:23
